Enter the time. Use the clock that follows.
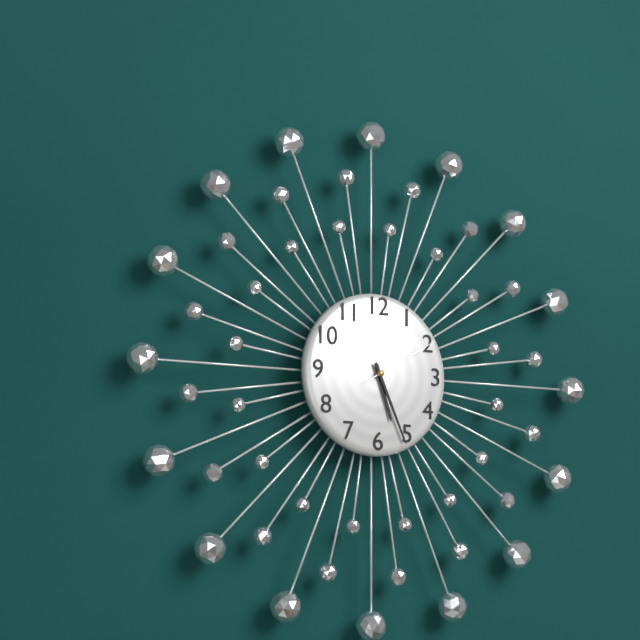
5:26:10
